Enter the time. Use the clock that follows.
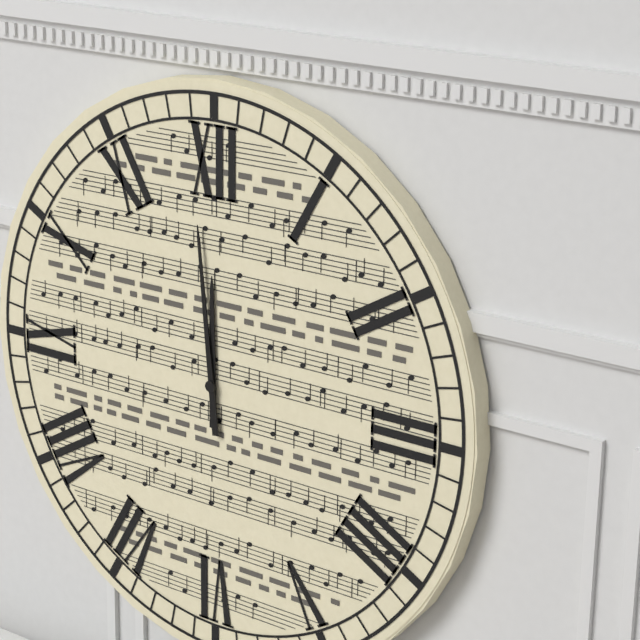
11:59
